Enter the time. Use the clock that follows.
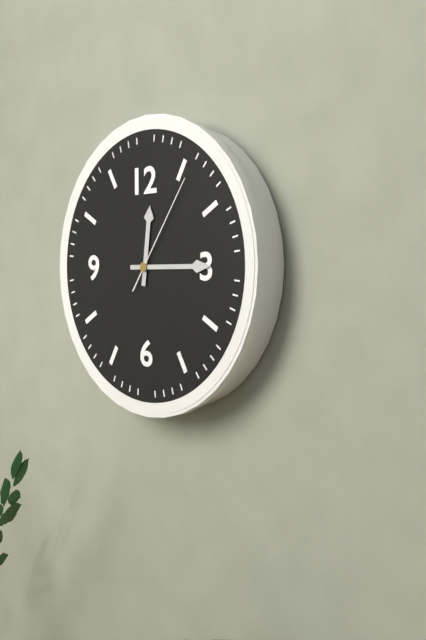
12:15:06
